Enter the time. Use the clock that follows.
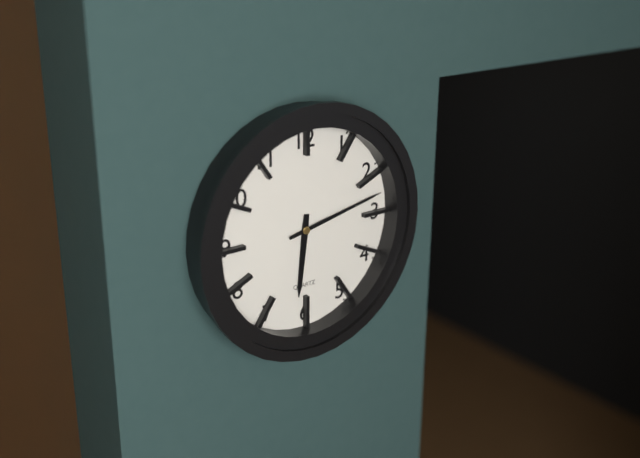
6:13
